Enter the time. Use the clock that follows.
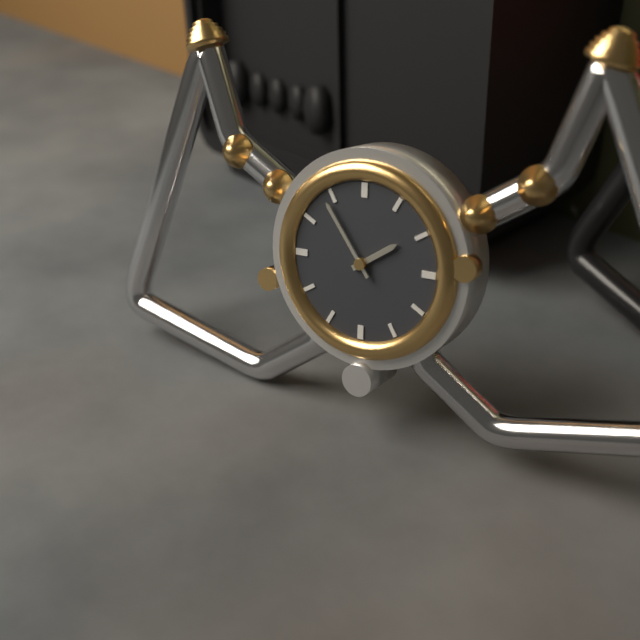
1:54
